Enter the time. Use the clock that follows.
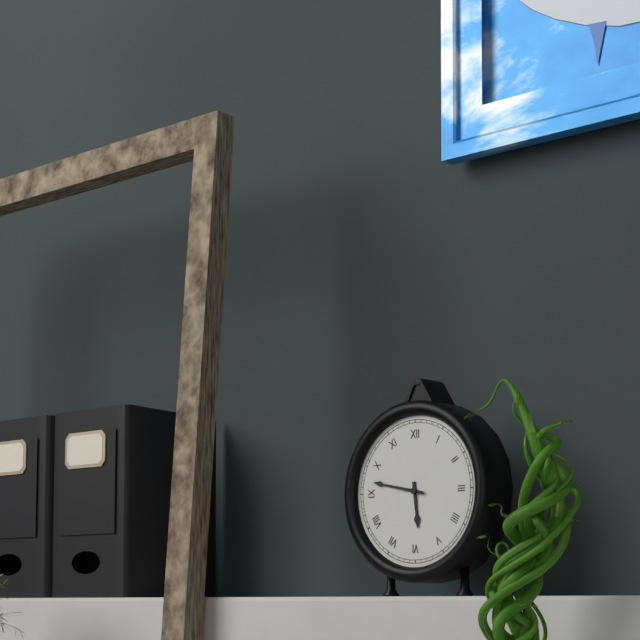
5:47
